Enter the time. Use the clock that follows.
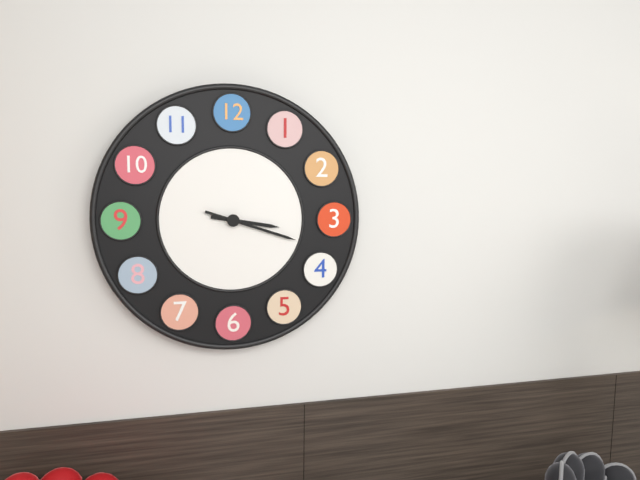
3:18
